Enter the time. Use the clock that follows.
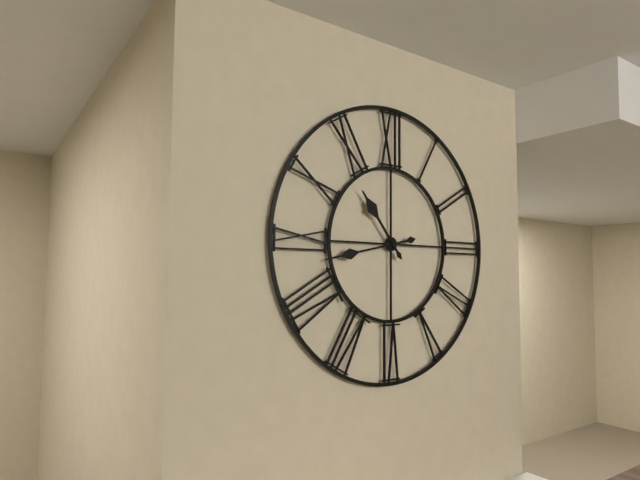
10:43
